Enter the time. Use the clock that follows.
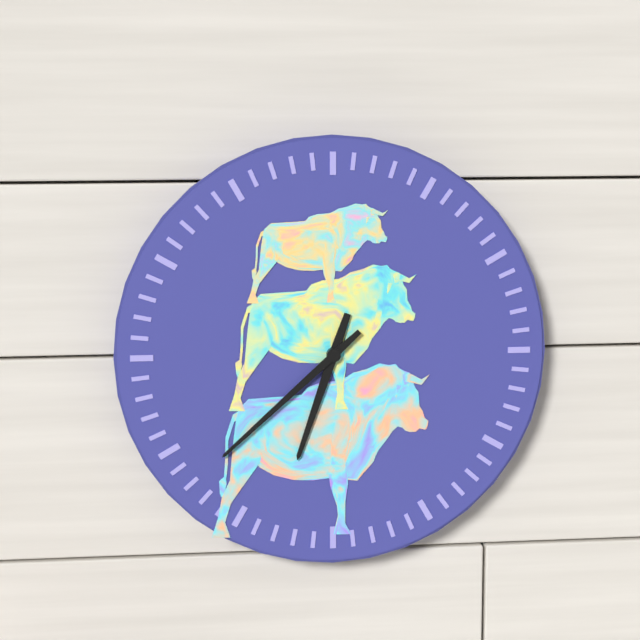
6:38
